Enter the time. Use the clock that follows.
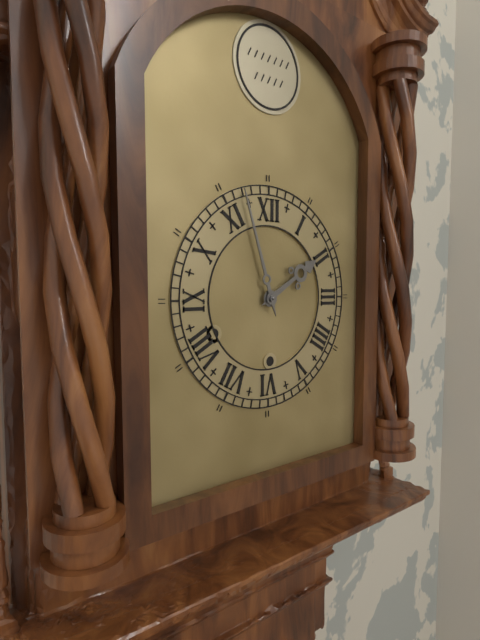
1:57
